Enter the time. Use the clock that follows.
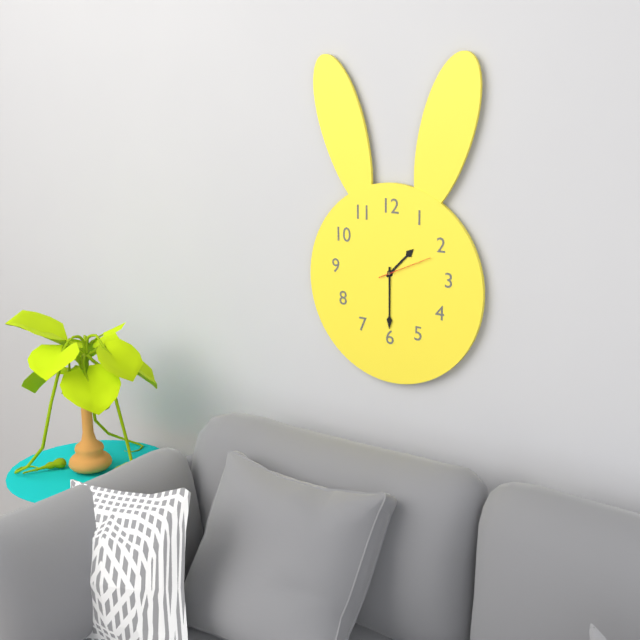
1:30:11
